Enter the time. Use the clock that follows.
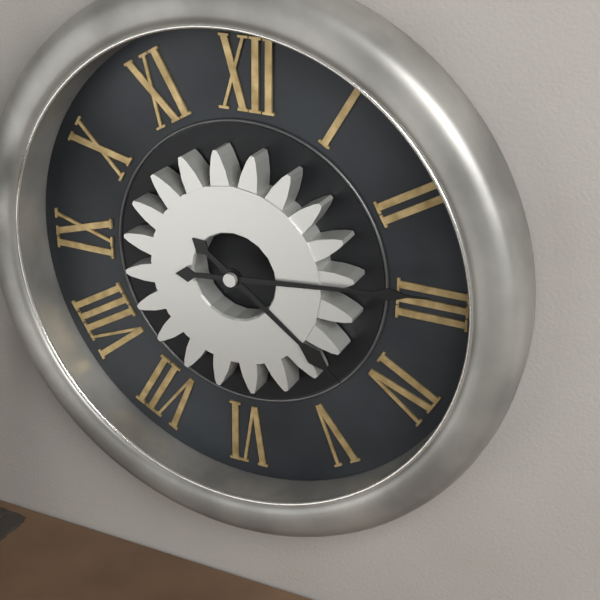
4:14
